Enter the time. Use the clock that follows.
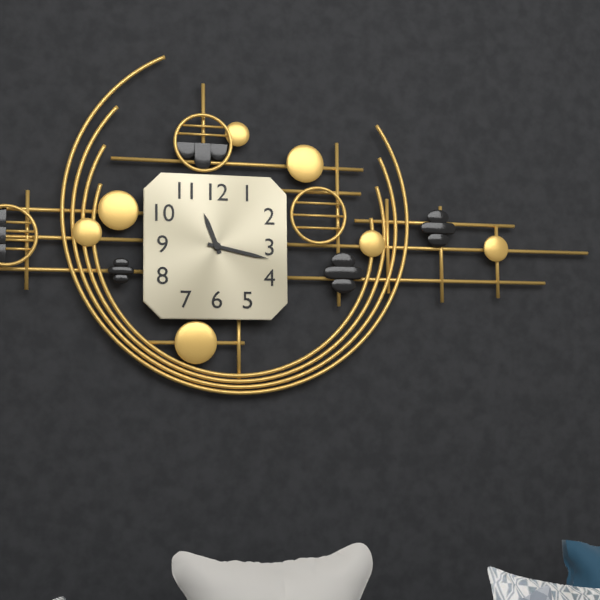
11:17
